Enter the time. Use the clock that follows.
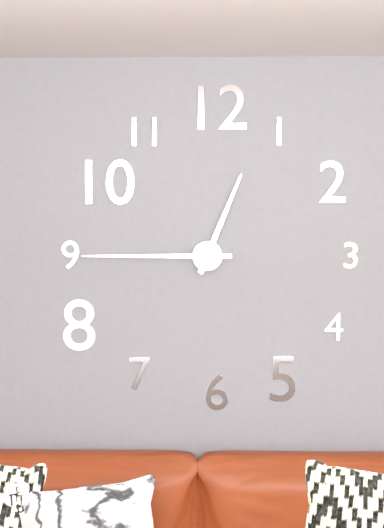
12:45
